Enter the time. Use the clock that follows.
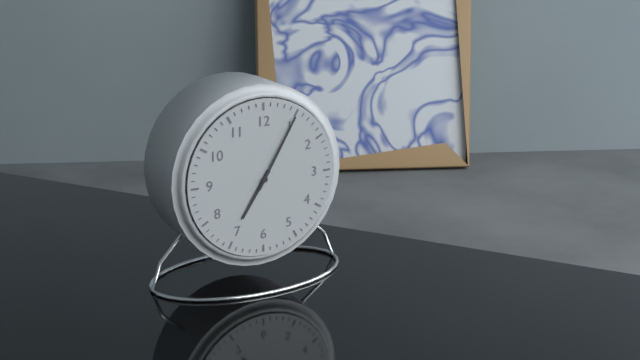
7:05
